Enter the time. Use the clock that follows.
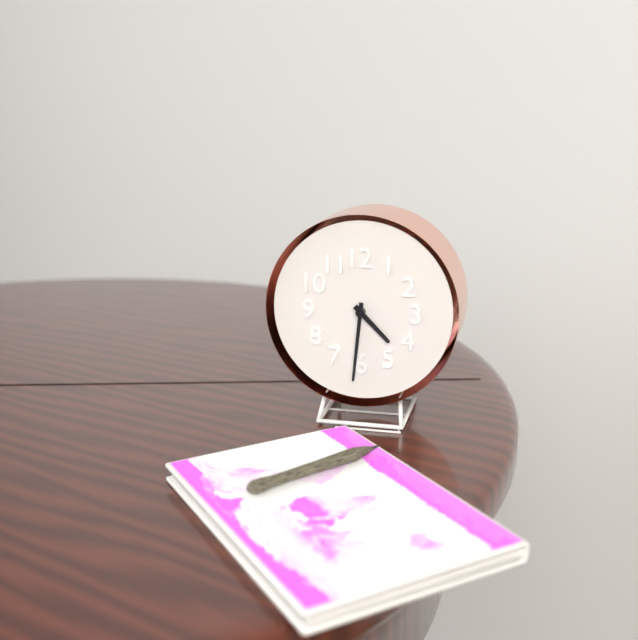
4:31
